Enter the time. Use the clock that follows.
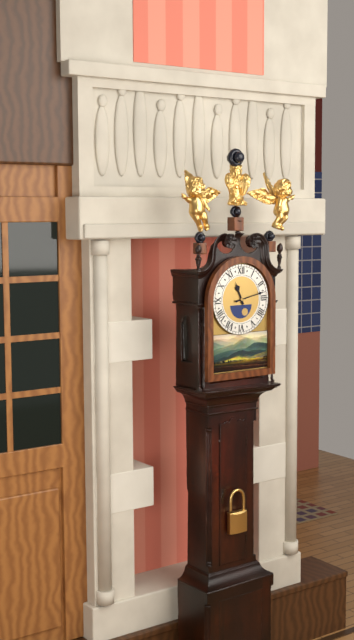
11:13
